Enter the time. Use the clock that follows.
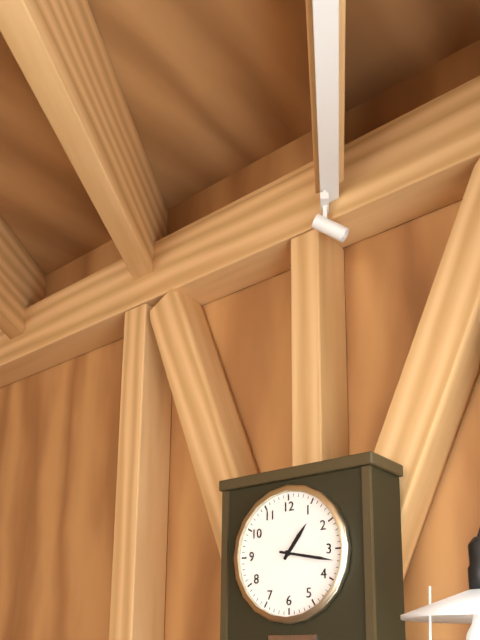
1:17
